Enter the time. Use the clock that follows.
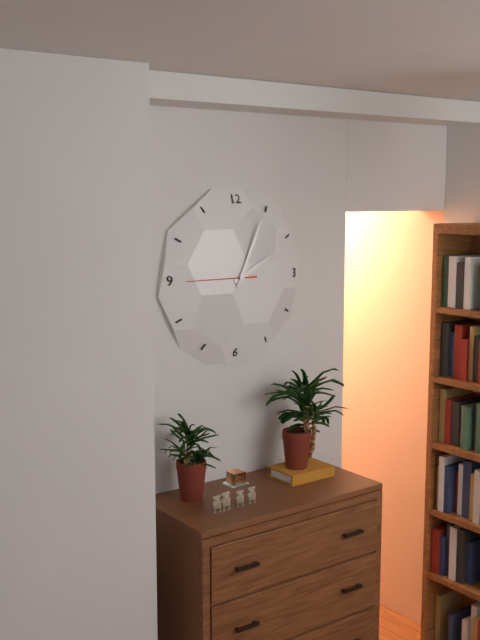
2:04:45
